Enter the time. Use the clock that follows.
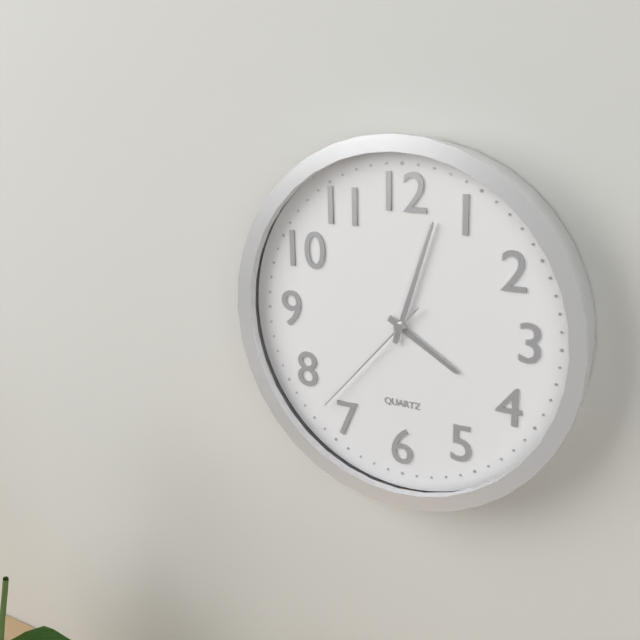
4:03:37
